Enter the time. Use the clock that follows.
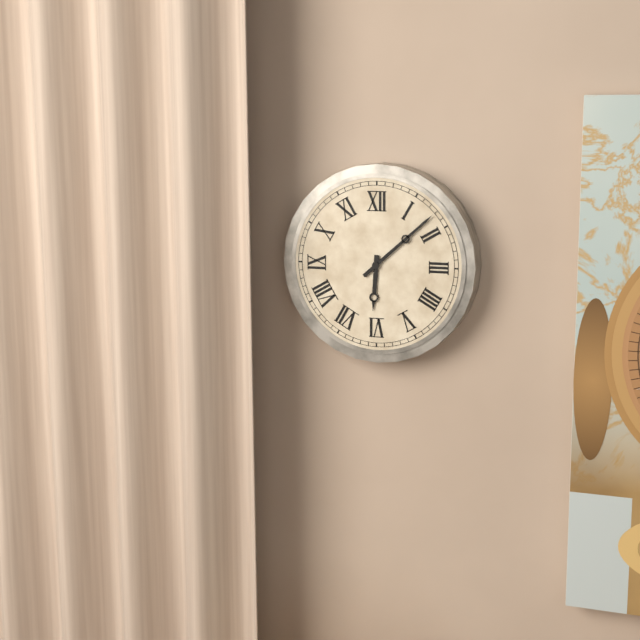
6:08
